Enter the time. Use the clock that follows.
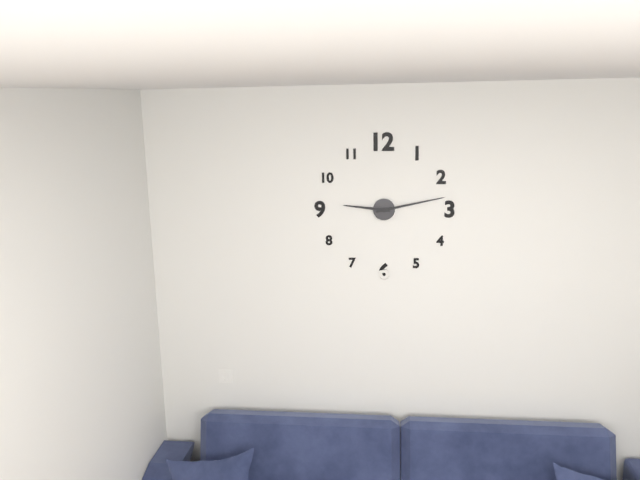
9:13
